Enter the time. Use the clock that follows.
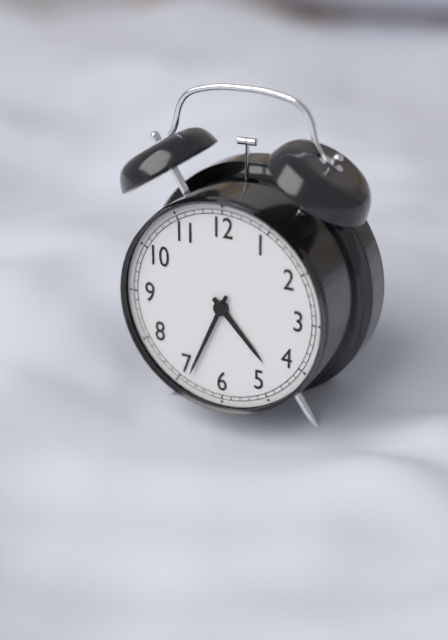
4:34
